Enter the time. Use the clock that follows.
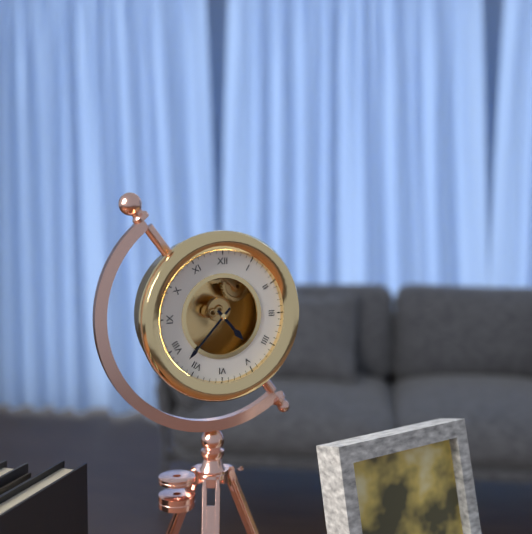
4:37
